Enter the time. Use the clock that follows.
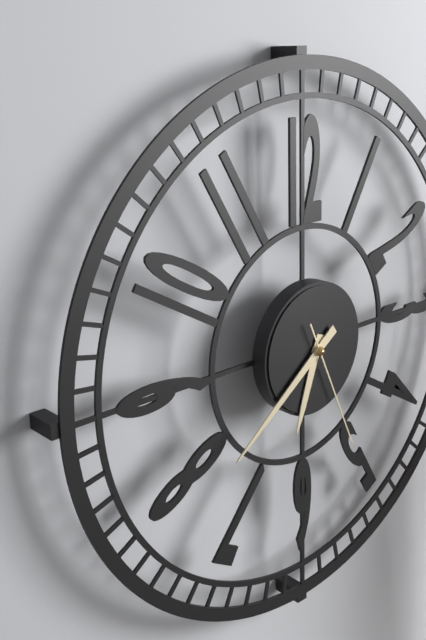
6:39:26
